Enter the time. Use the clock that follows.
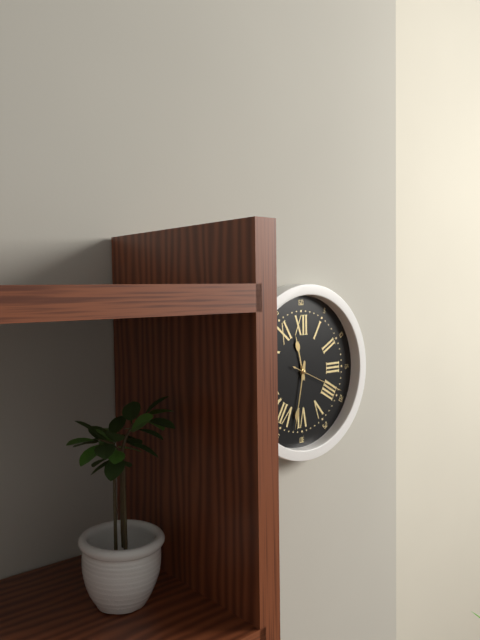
11:32:19
